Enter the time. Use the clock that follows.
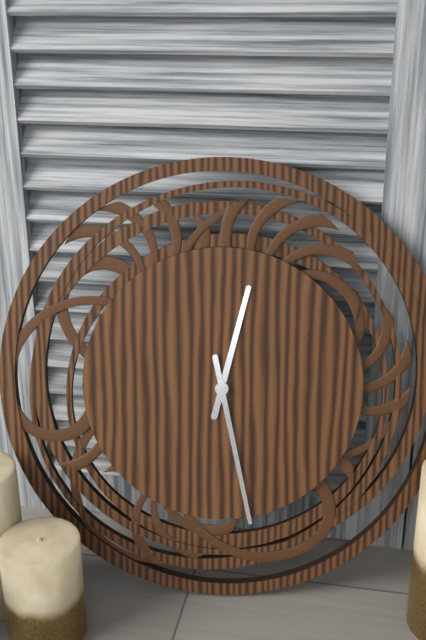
12:28
